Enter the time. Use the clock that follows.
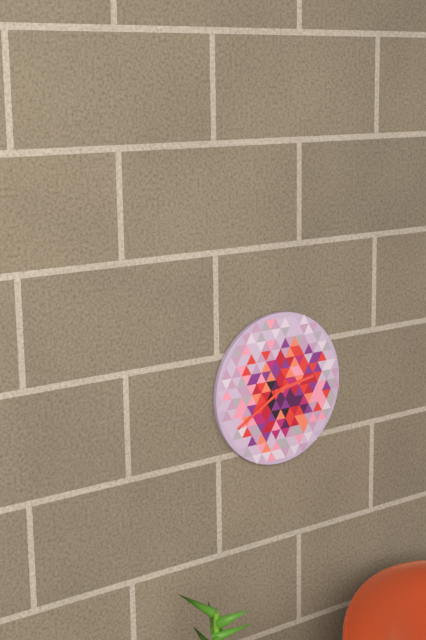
2:40
